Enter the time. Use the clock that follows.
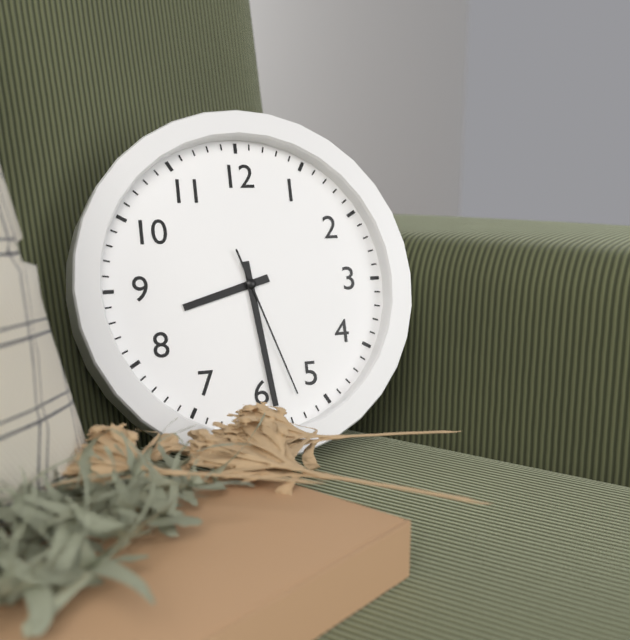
8:29:27
